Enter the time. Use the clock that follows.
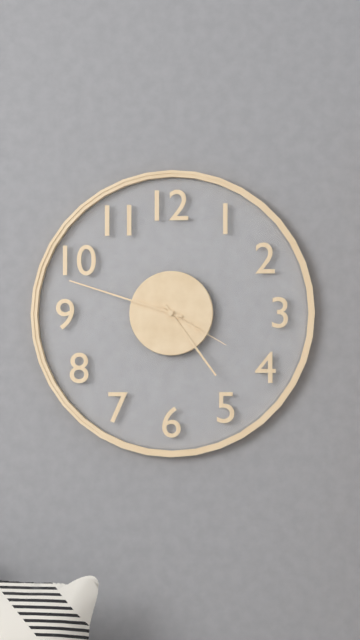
4:48:20
